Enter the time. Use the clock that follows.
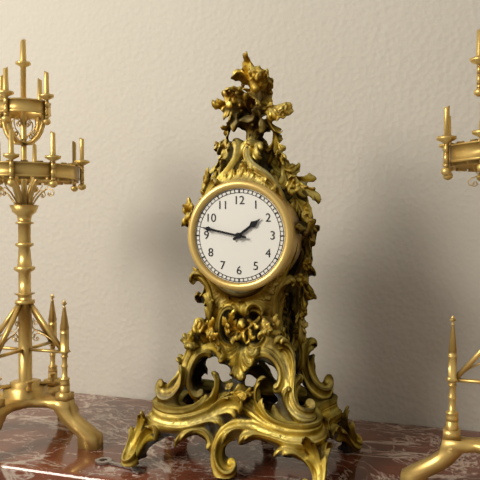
1:47
